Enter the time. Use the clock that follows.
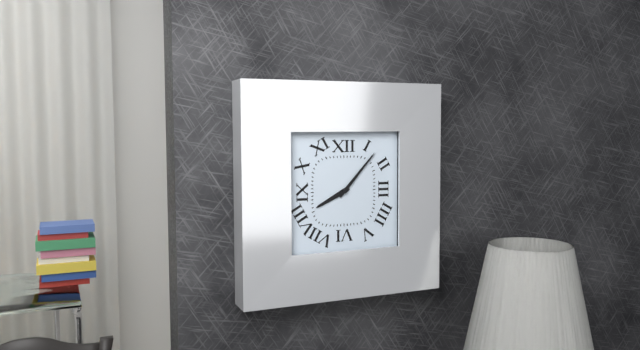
8:07
